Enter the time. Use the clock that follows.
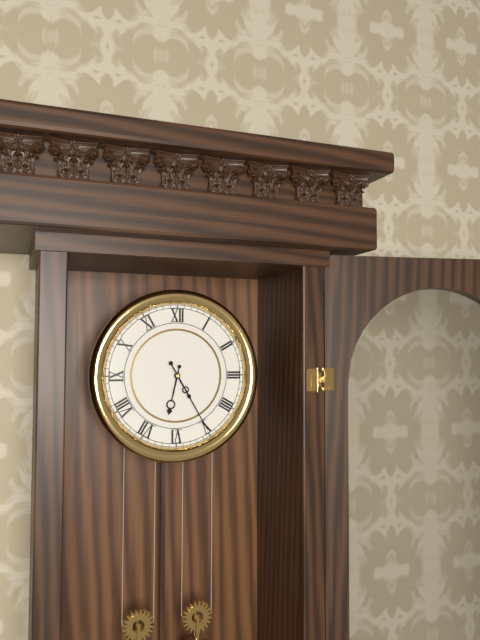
6:25
